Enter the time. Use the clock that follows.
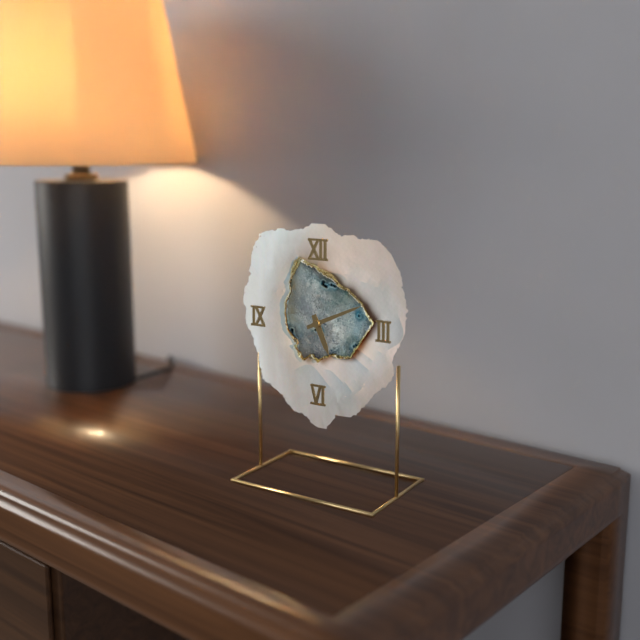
5:11
